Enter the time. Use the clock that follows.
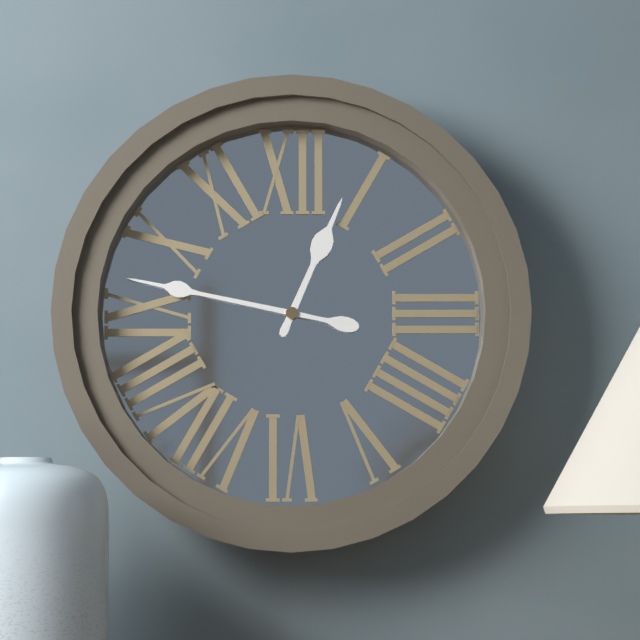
12:47
